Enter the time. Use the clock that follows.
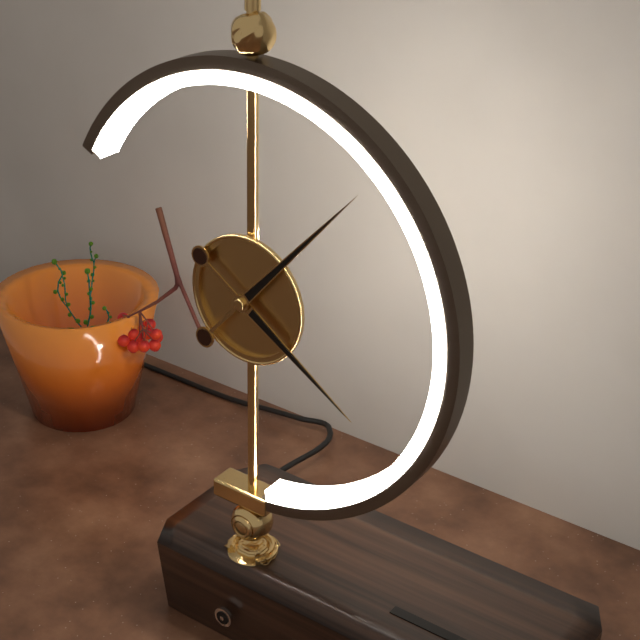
4:07
